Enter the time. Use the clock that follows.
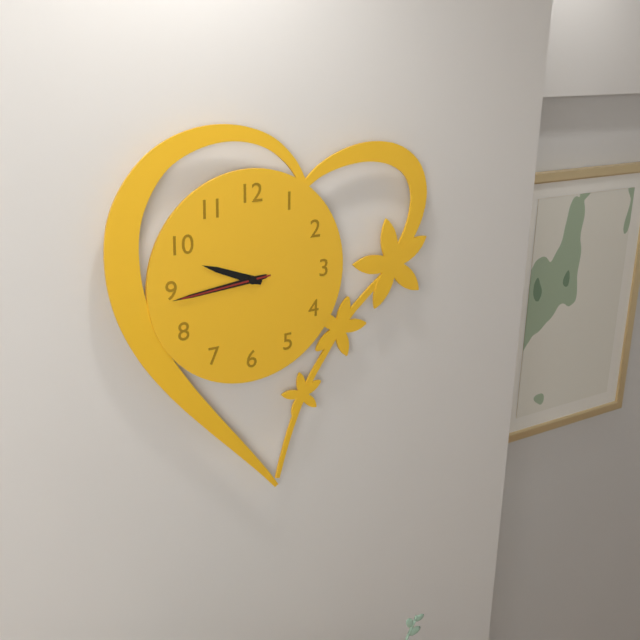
9:44:44
